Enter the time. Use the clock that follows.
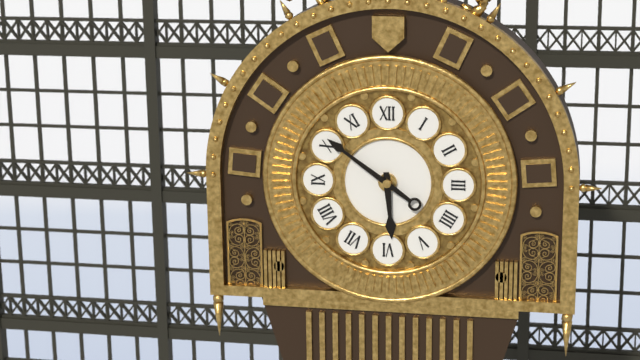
5:51
